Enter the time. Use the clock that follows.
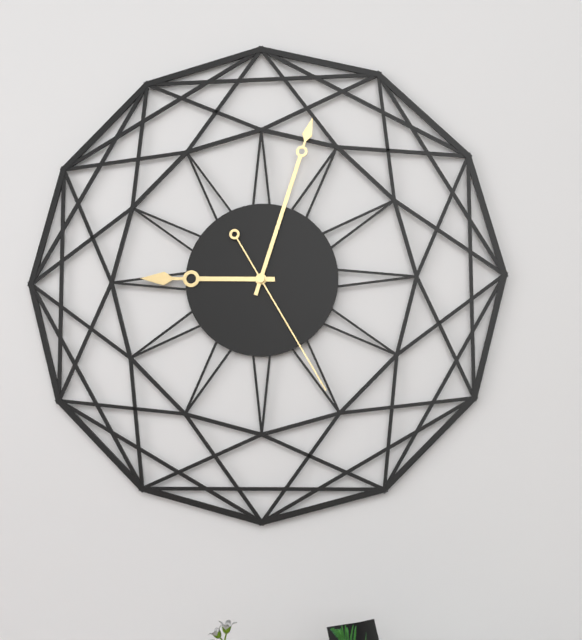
9:03:25
